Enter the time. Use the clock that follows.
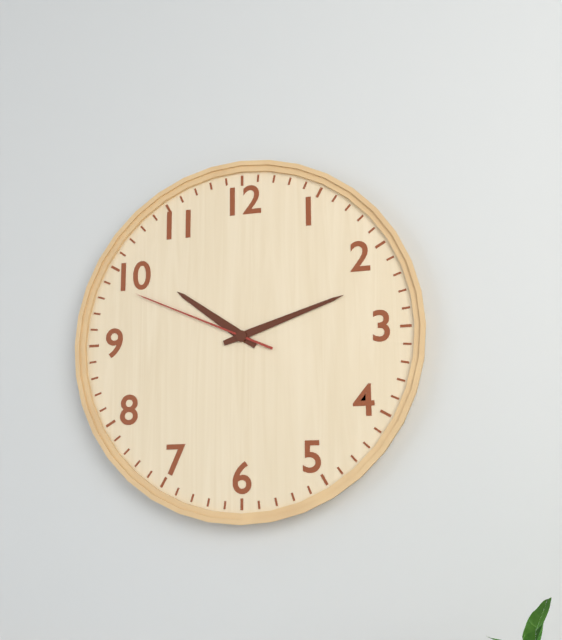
10:12:49
